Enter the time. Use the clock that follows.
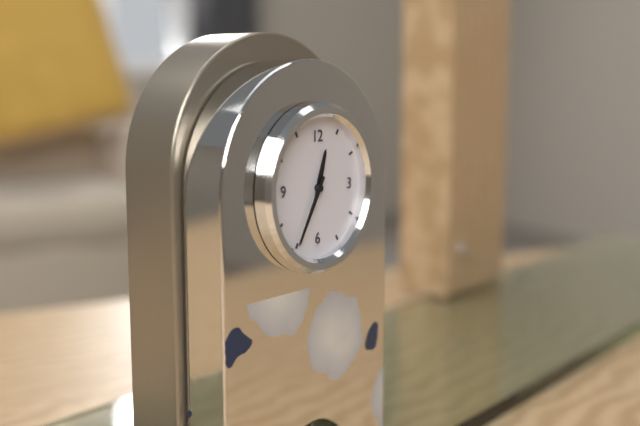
12:35
